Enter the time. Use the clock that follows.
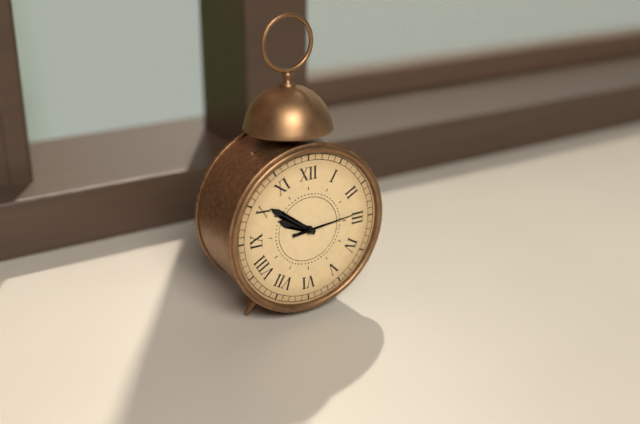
9:51:14
